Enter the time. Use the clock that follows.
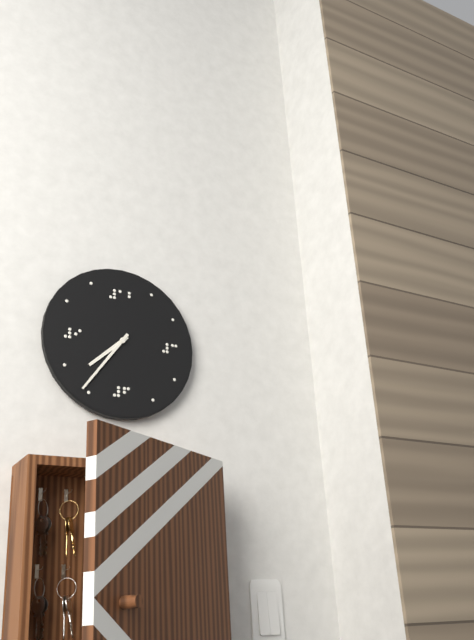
7:36
